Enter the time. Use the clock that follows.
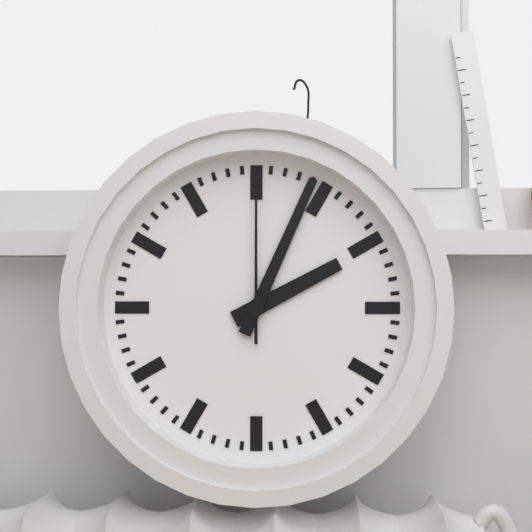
2:04:00
